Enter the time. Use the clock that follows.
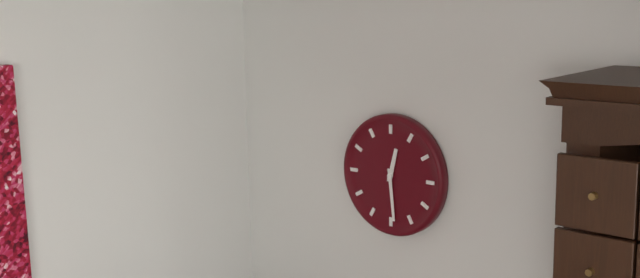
12:29
